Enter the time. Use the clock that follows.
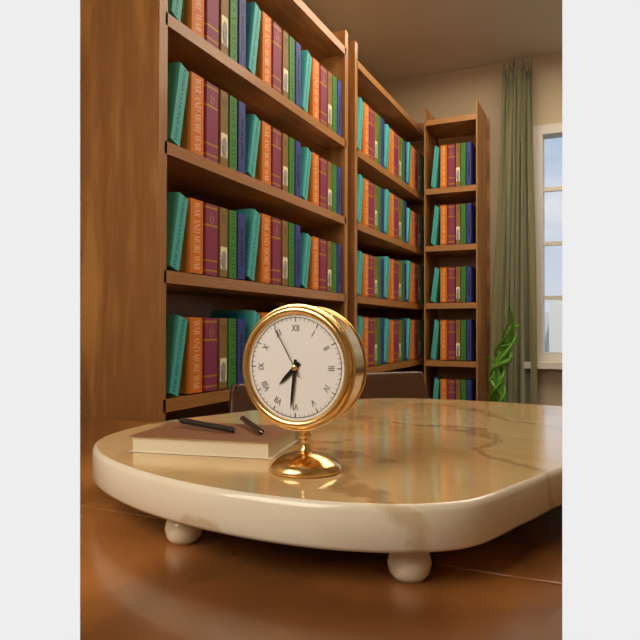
7:31:55
